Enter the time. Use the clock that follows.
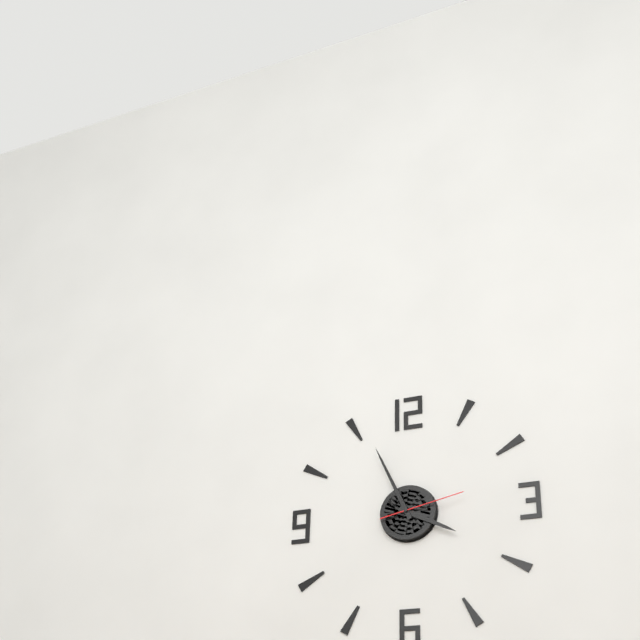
3:56:13
